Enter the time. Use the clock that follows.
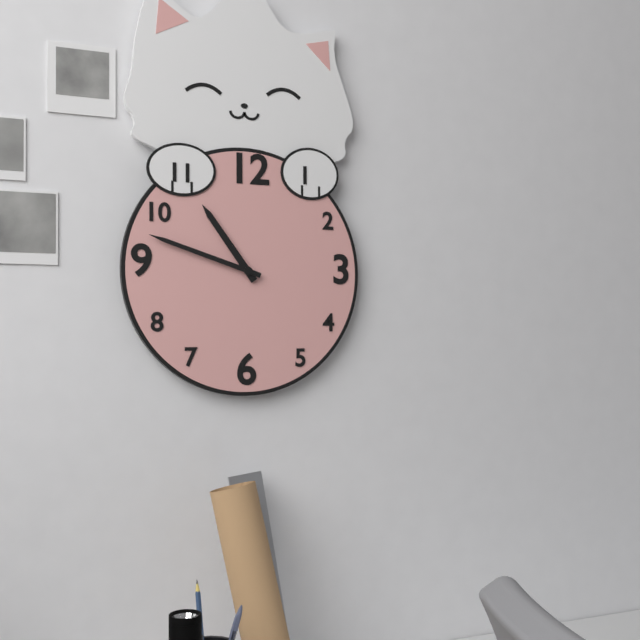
10:48
